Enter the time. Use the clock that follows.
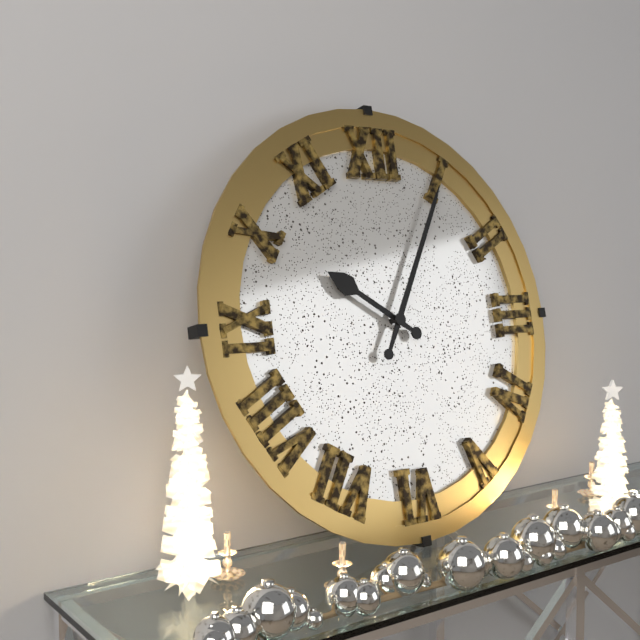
10:05
